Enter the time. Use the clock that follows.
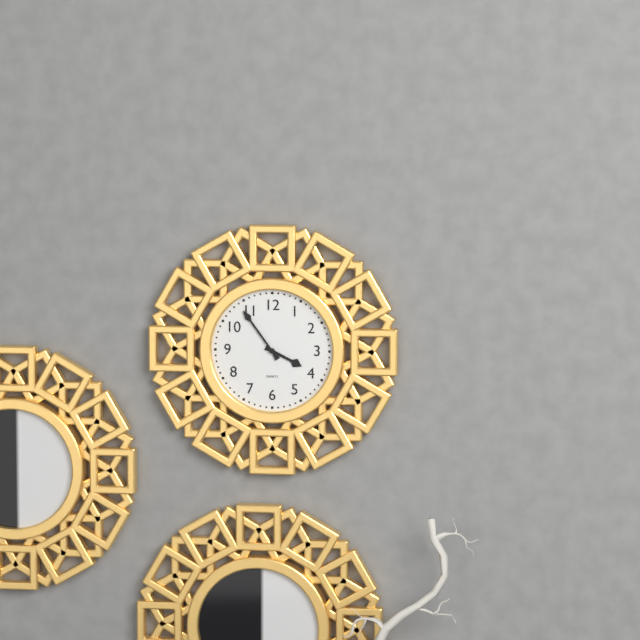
3:54
